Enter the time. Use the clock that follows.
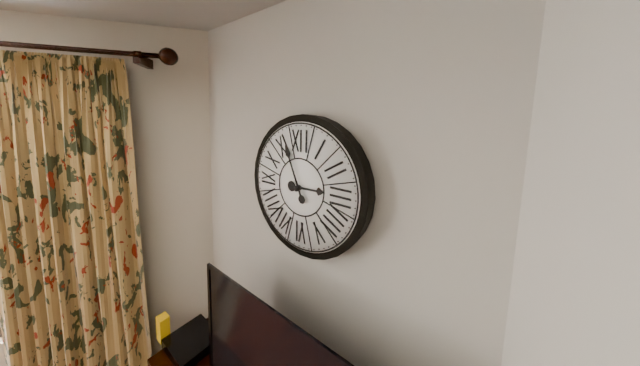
2:56
